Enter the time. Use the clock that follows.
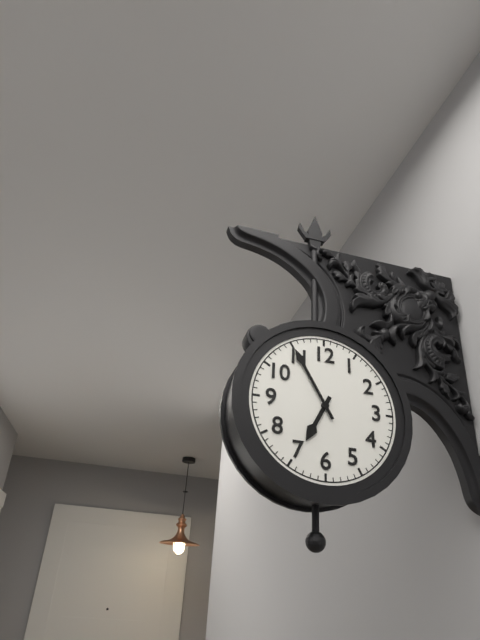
6:55
